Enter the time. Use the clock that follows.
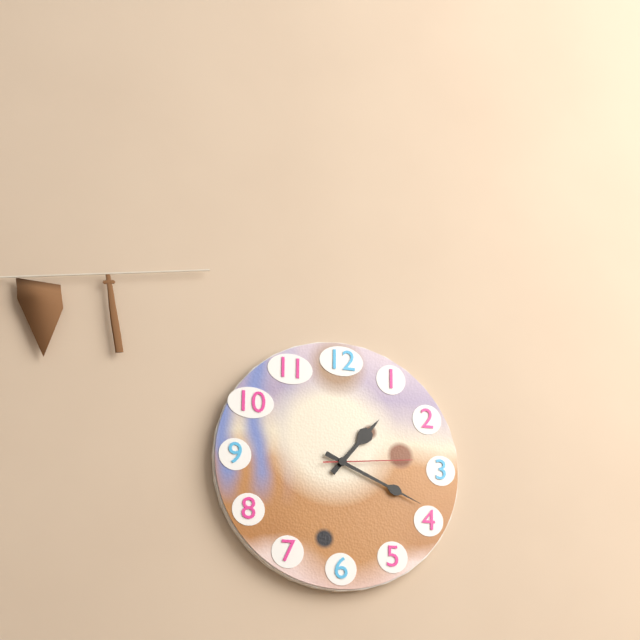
1:19:14
